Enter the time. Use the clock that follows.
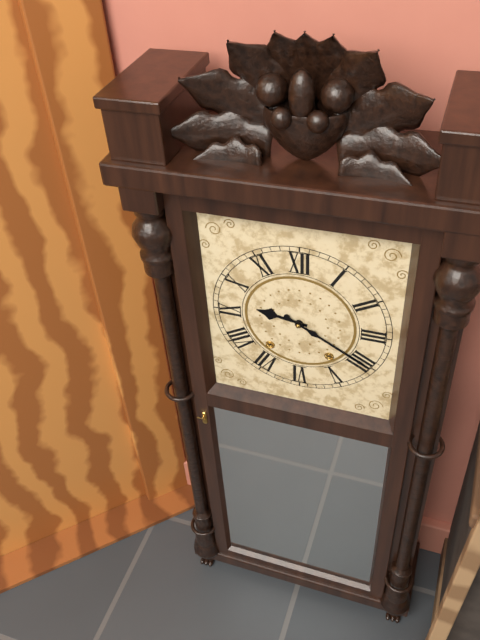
9:20
